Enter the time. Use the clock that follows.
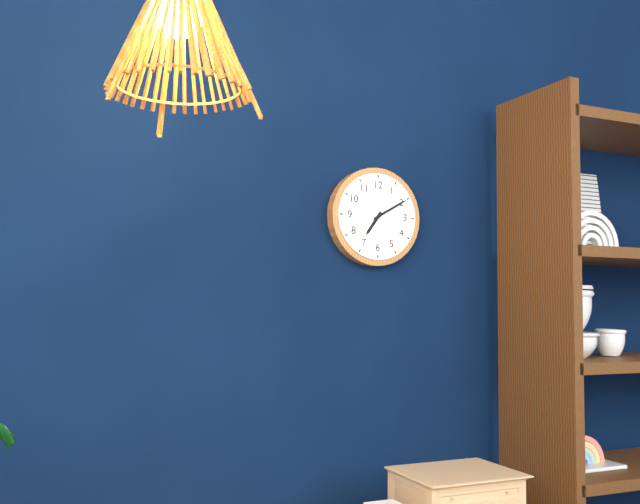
7:10
